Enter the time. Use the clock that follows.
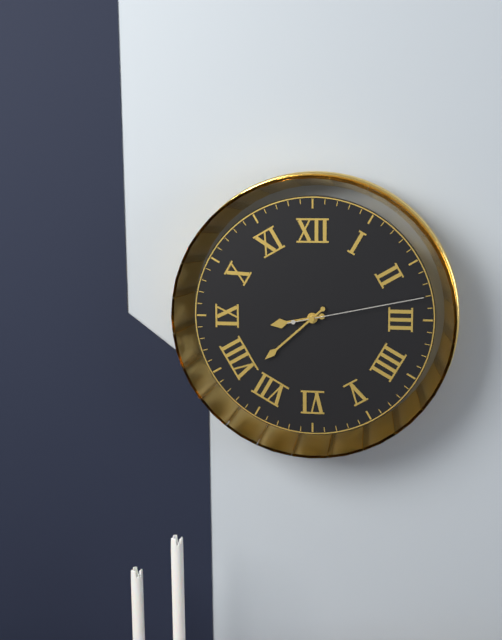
8:38:13
